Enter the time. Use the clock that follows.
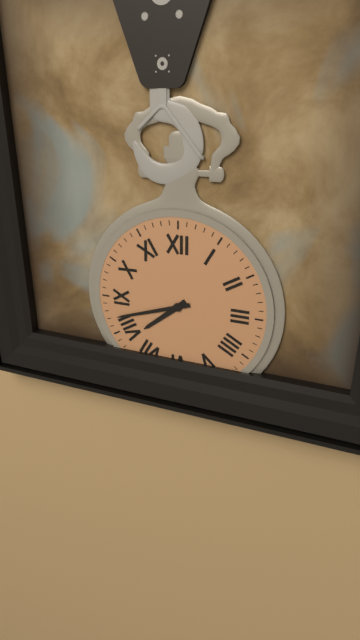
7:42
